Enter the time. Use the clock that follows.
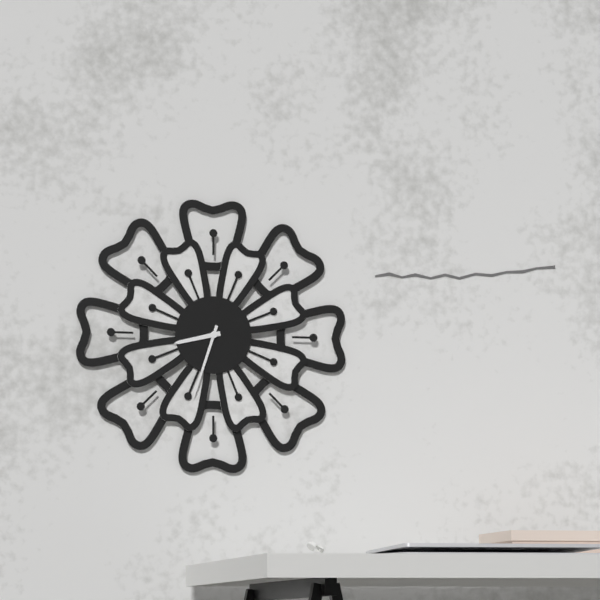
8:33
